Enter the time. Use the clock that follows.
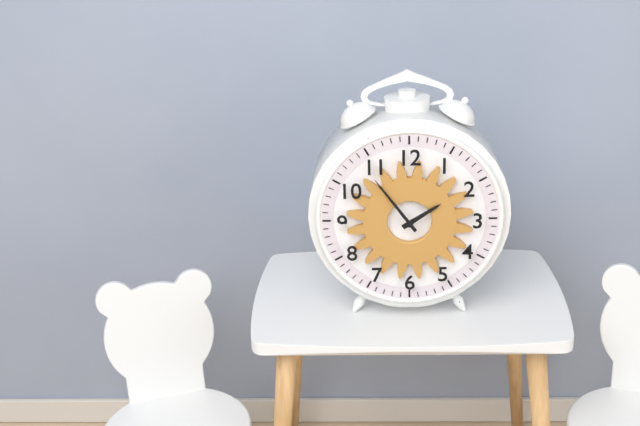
1:54
